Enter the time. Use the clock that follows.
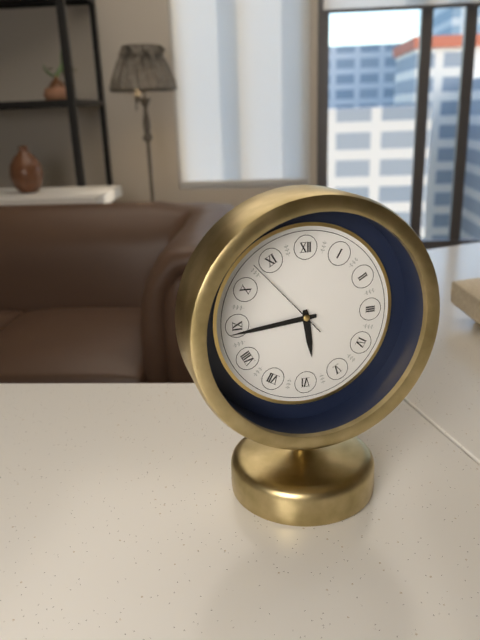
5:44:53
